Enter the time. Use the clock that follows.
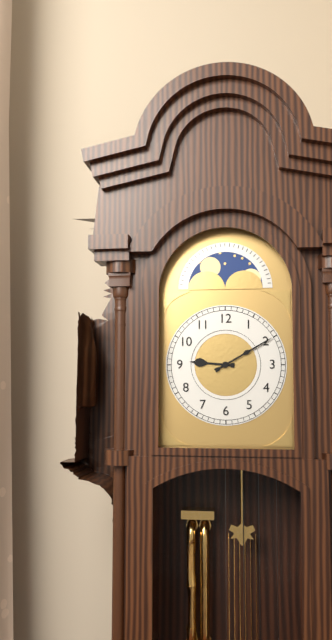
9:10
